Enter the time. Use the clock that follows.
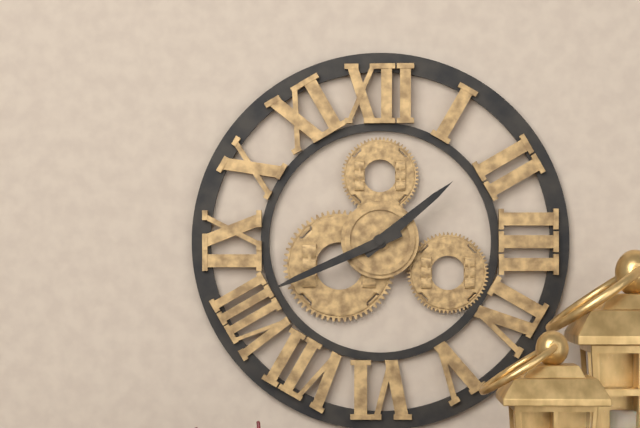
1:41
